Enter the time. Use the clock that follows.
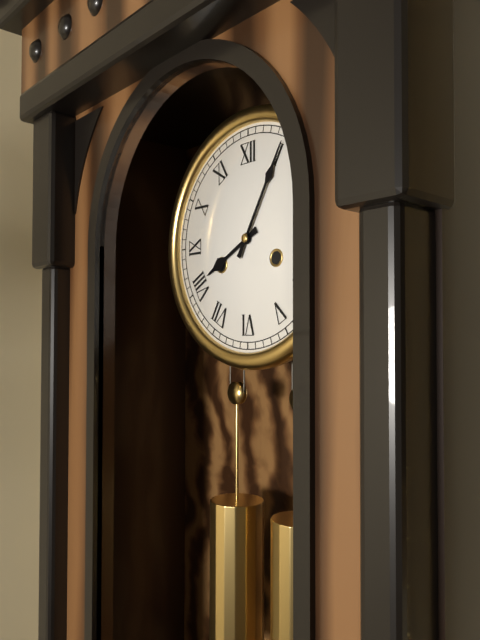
8:05
